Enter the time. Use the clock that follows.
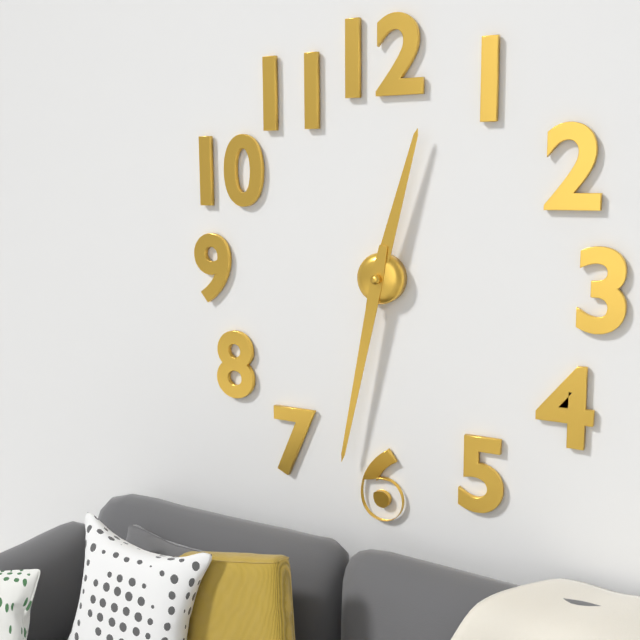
12:32
